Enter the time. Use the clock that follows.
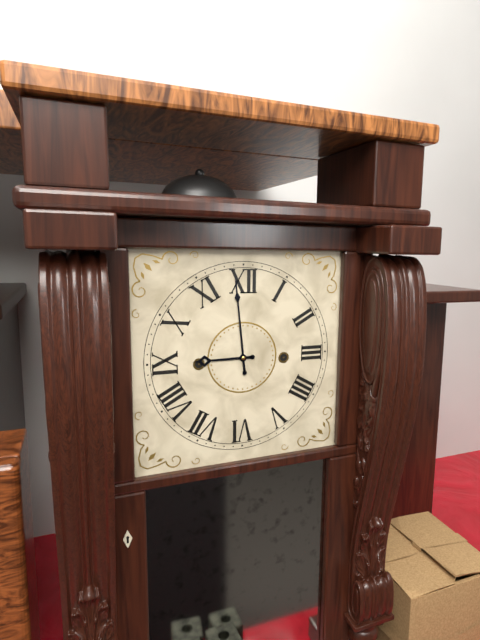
8:59
